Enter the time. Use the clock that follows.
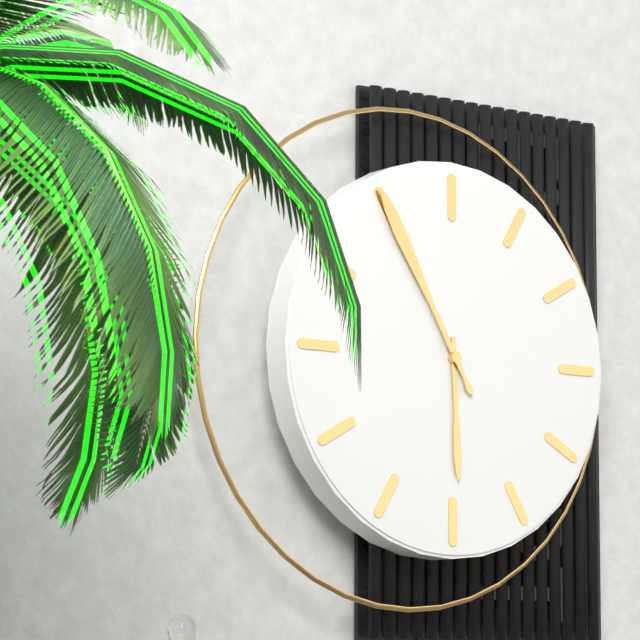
5:55
